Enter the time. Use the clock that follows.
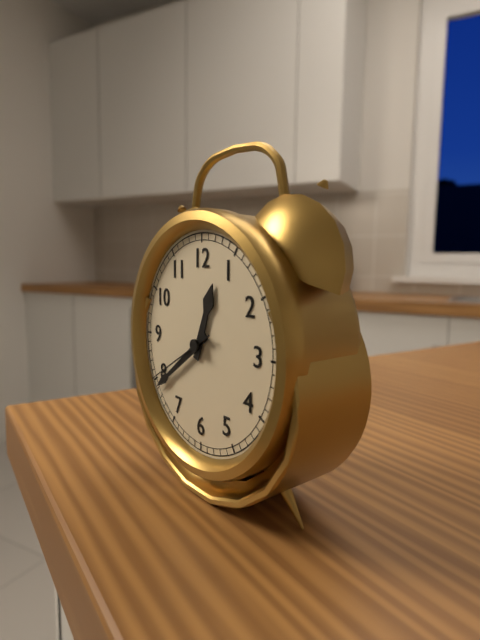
12:39:40
